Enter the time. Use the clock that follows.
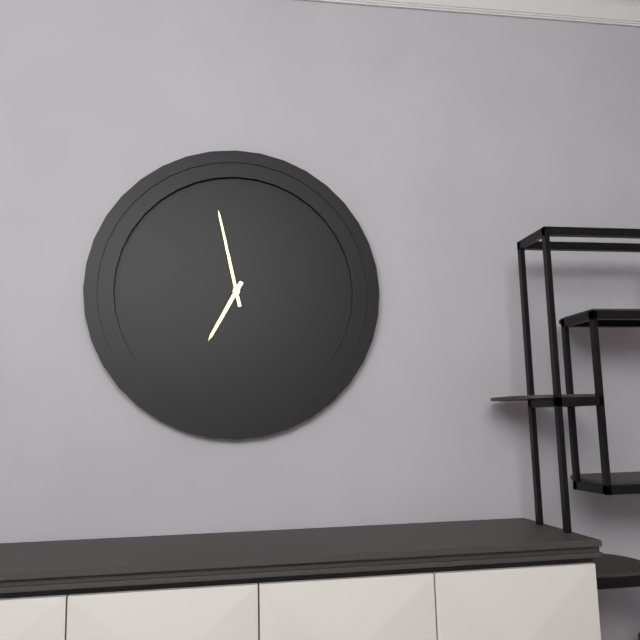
6:58
